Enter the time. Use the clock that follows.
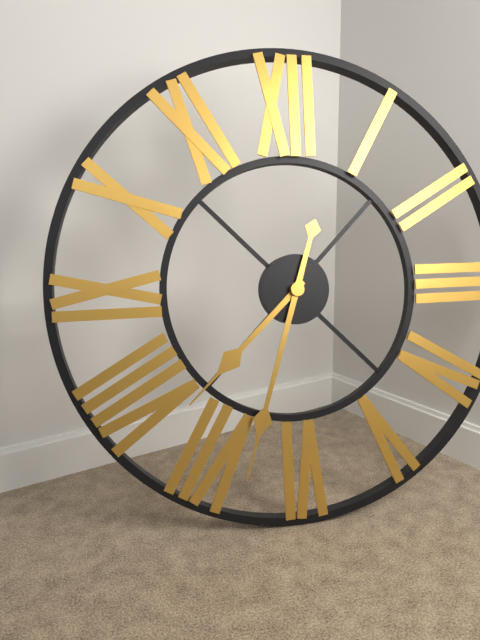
7:33
